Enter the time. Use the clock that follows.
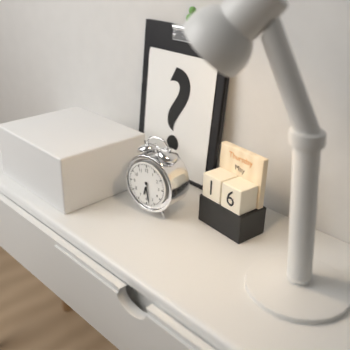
6:28
